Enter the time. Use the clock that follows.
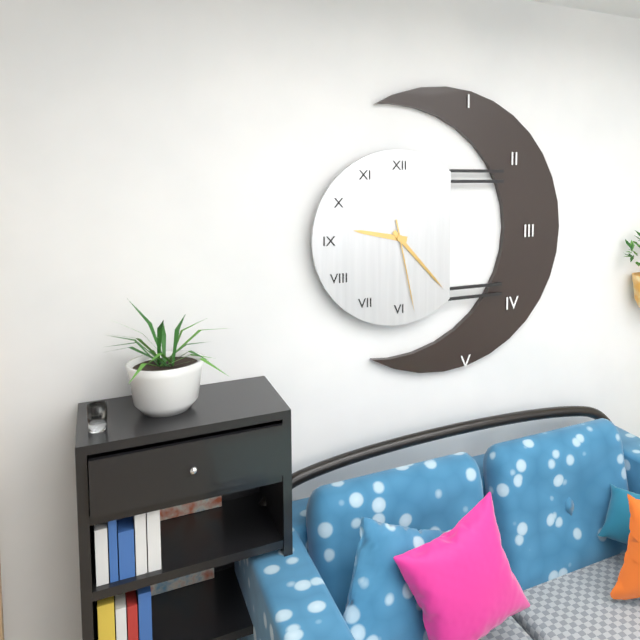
9:23:28
